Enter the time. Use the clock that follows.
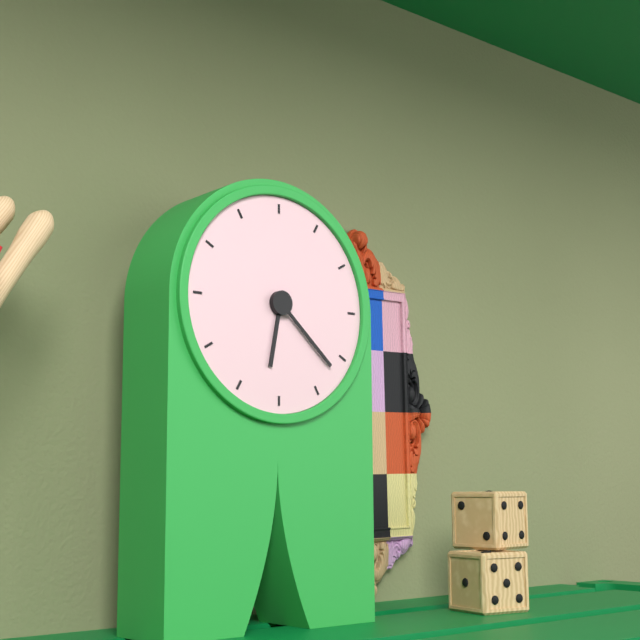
6:22
